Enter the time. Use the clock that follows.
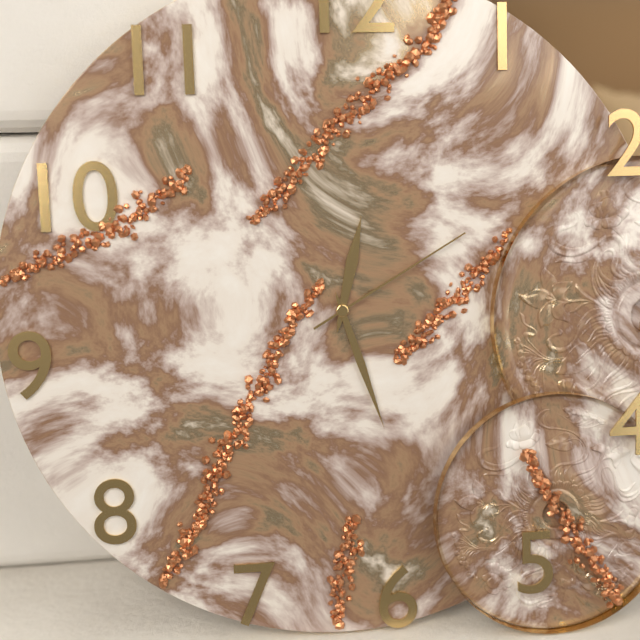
12:27:10
